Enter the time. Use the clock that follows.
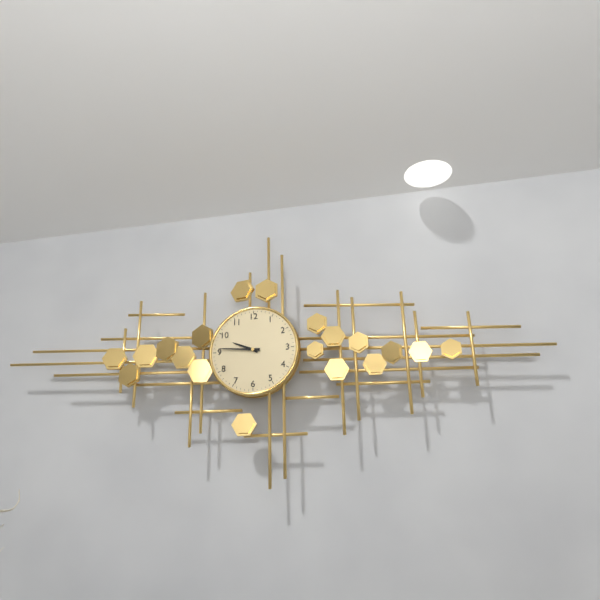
9:46
